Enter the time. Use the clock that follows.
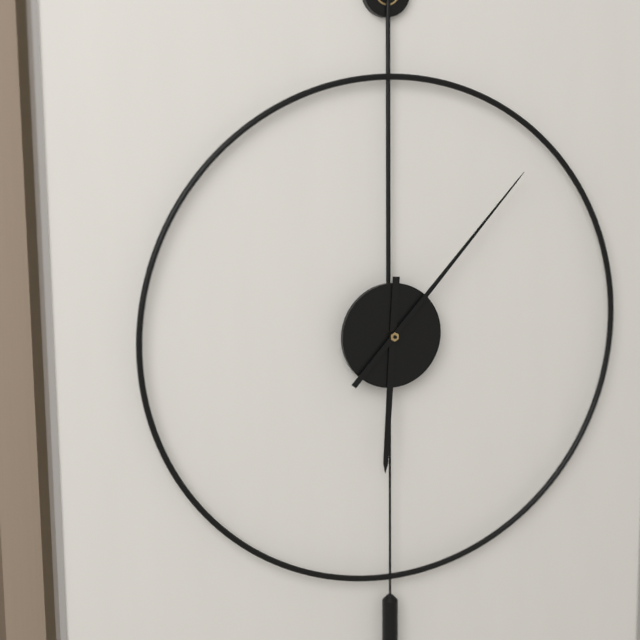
6:07
